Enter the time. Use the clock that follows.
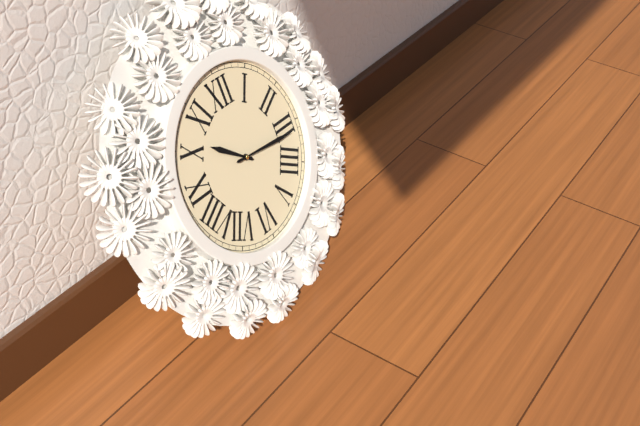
10:16
